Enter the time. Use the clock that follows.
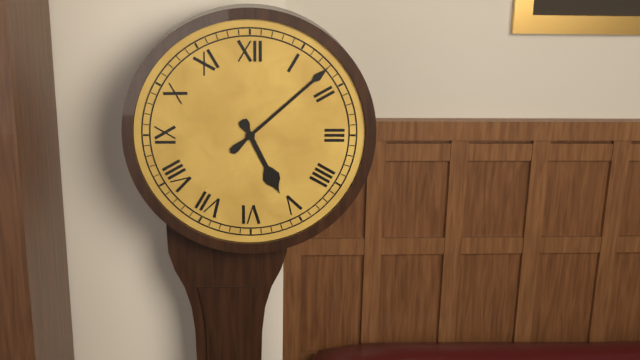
5:08
